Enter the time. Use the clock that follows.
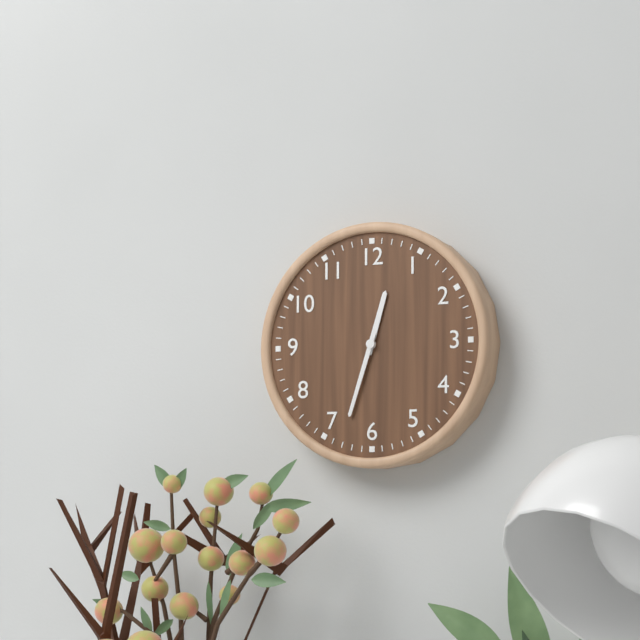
12:33
